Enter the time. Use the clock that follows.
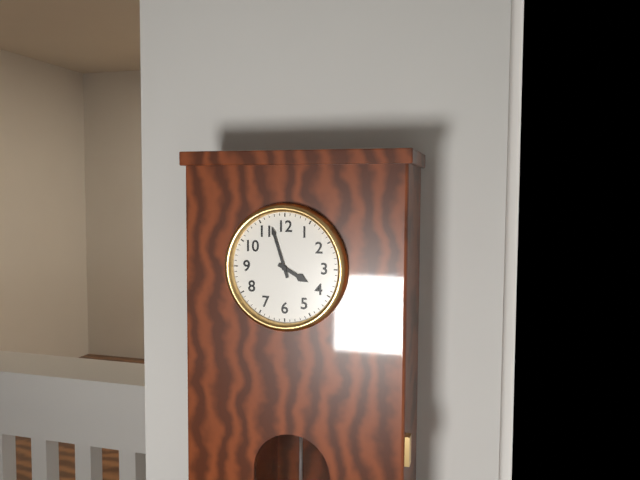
3:57
